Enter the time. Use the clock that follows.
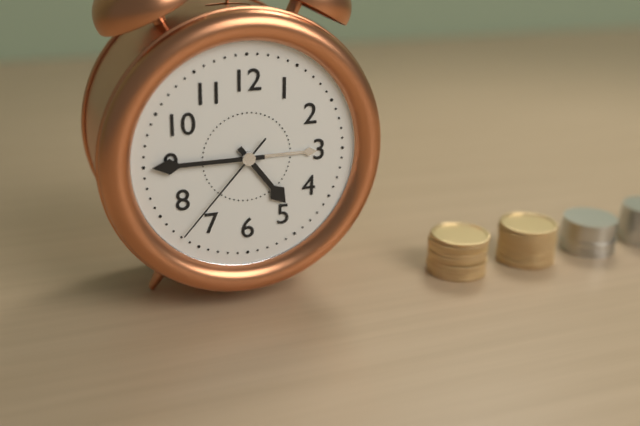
4:45:37
